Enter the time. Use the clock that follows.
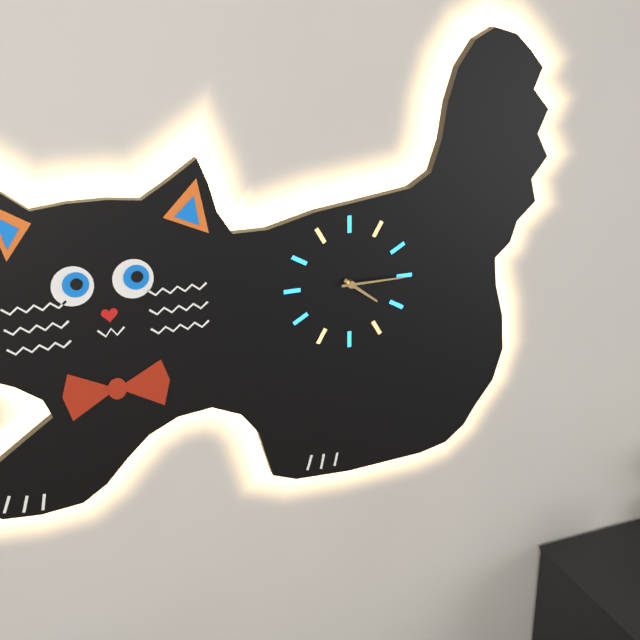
4:15
